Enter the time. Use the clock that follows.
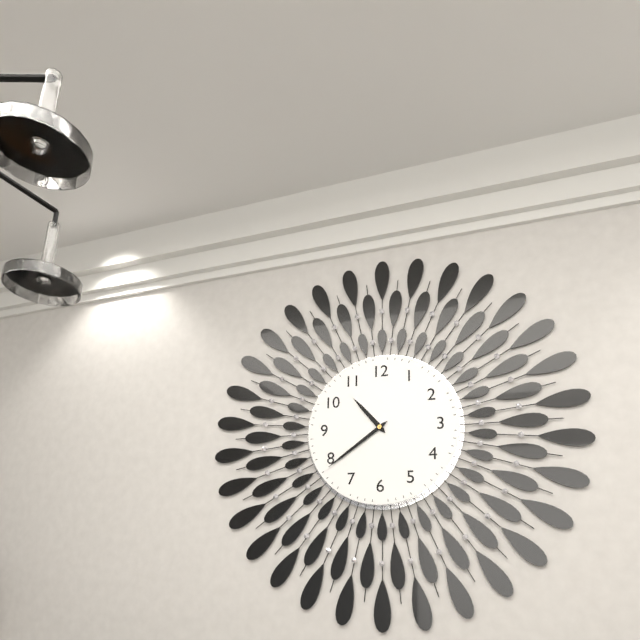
10:39
